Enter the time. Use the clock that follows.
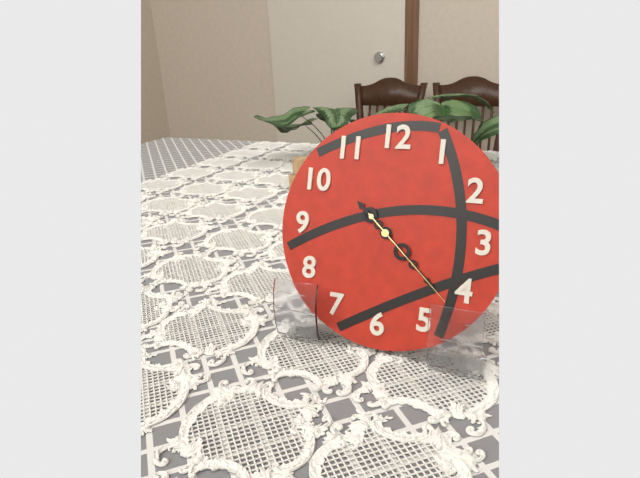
10:22:22
